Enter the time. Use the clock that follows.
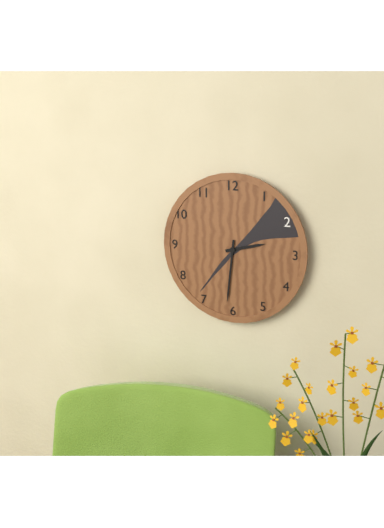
2:31
